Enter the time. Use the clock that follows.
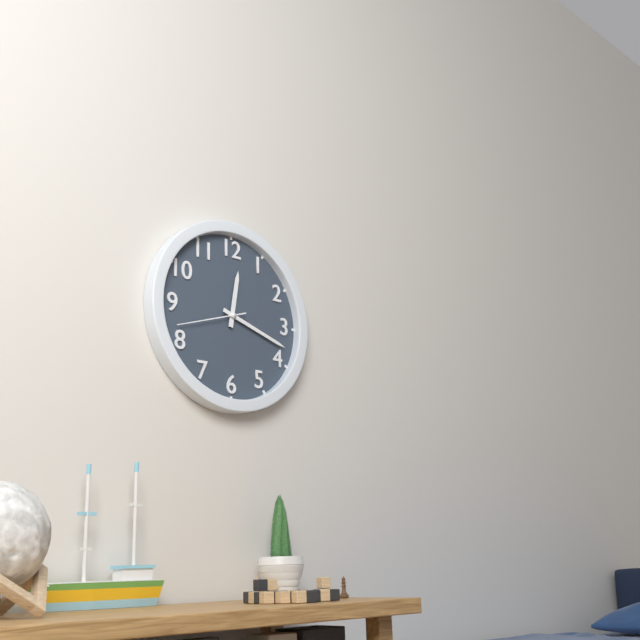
12:18:42
